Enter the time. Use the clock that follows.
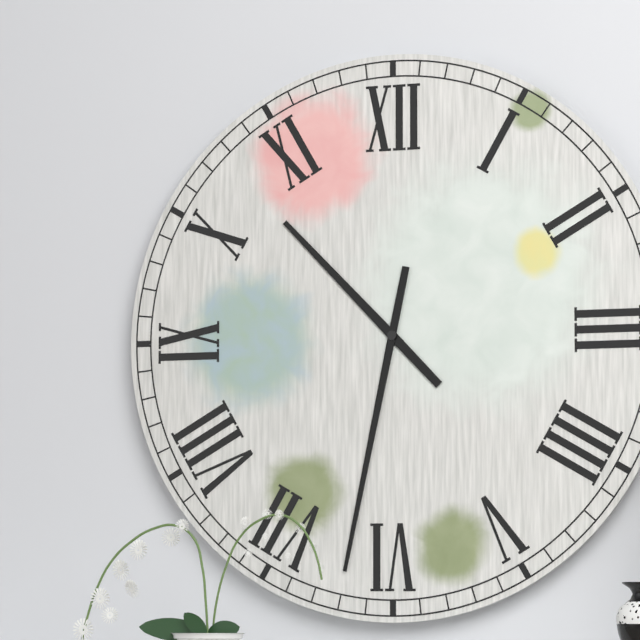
10:32
